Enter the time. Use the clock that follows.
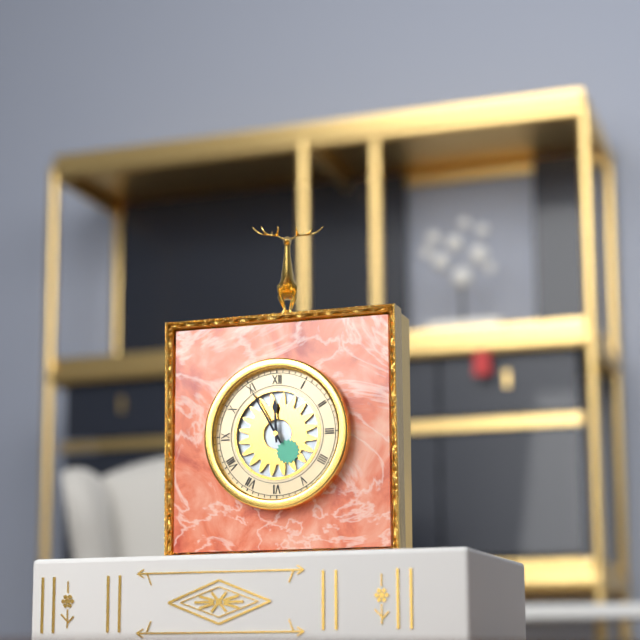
11:55
